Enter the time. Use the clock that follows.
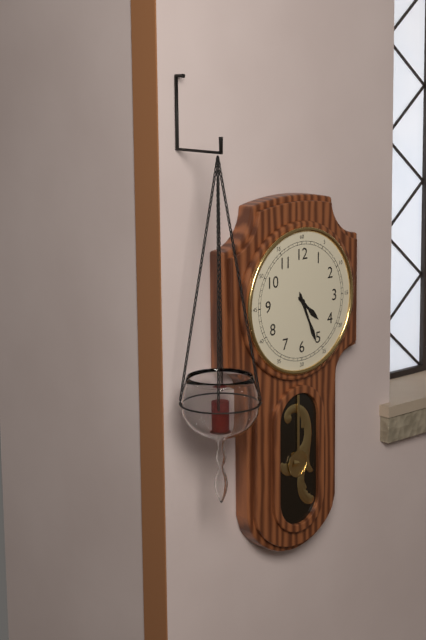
4:26
